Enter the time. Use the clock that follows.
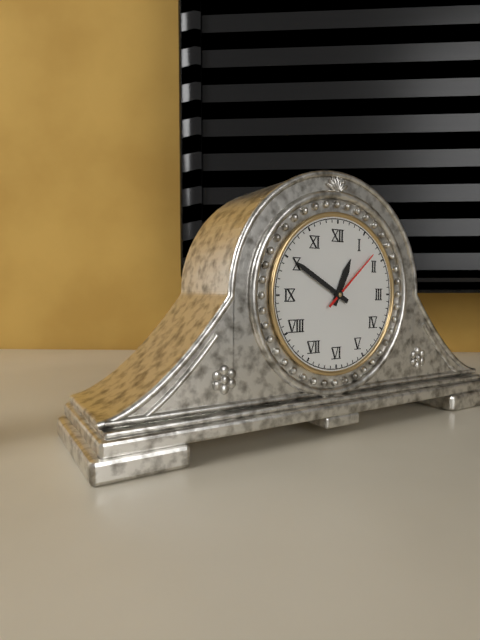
12:50:08
